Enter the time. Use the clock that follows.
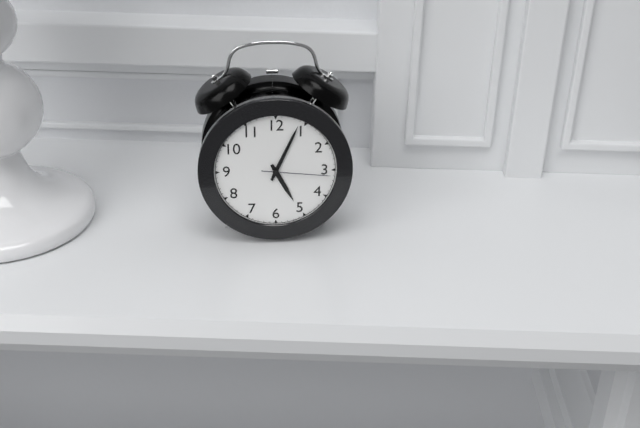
5:04:16
